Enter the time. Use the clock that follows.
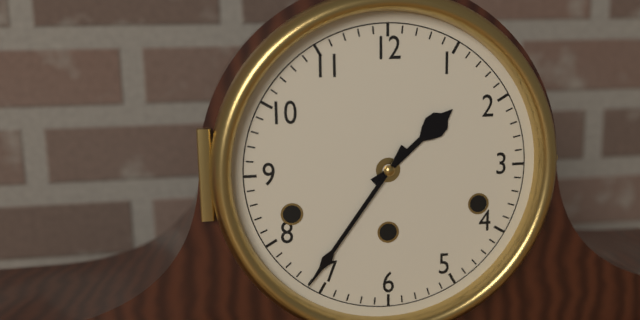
1:36
